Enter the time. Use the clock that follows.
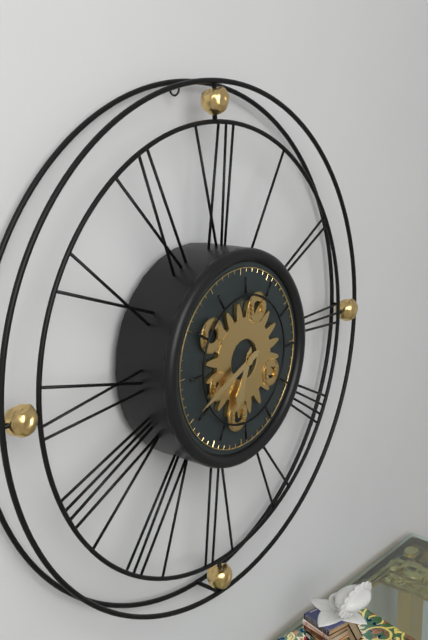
6:41
